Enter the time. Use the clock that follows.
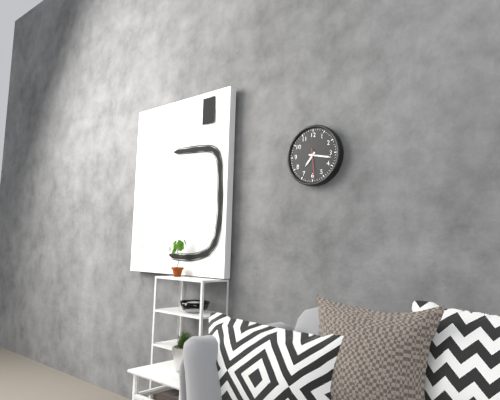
7:17
